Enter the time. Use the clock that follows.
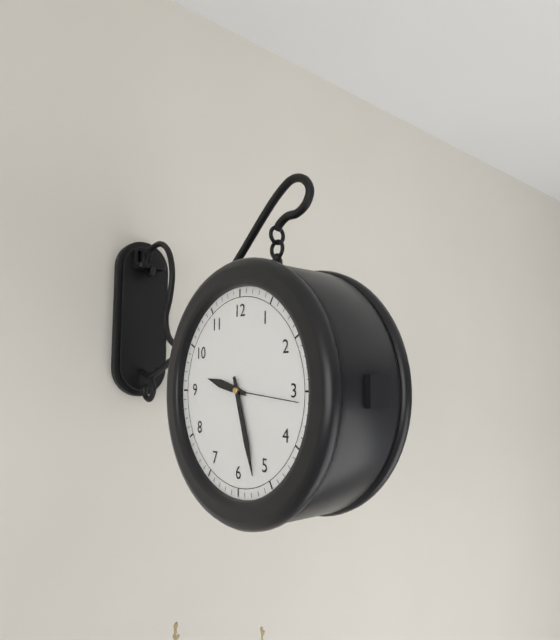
9:27:16
